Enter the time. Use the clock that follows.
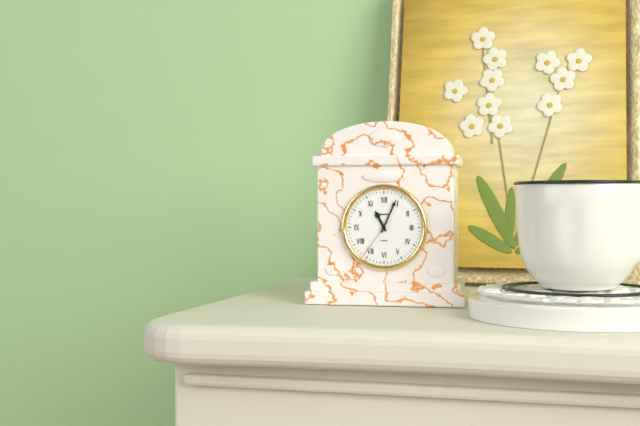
11:04
